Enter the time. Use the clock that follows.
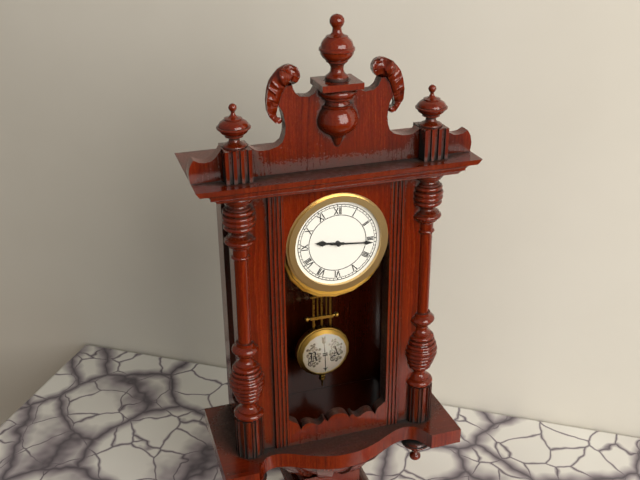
9:16
